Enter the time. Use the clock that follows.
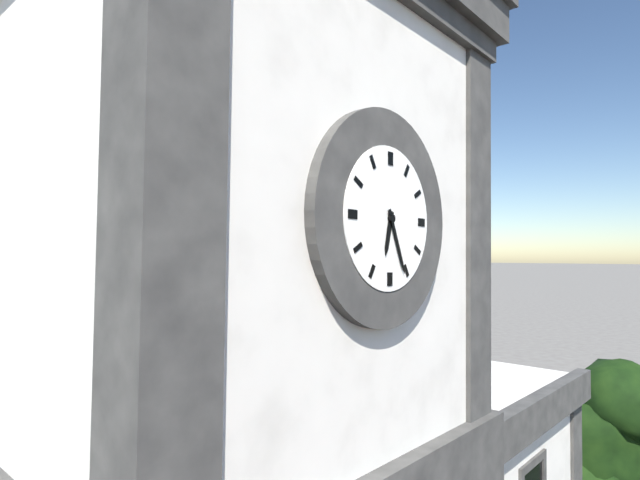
6:26
